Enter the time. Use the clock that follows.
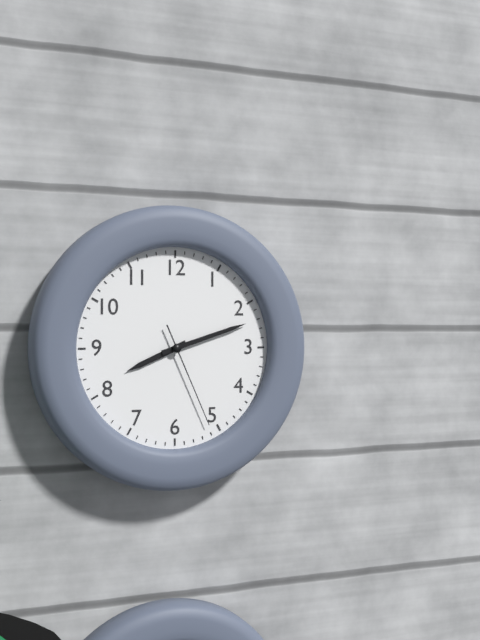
8:12:26
